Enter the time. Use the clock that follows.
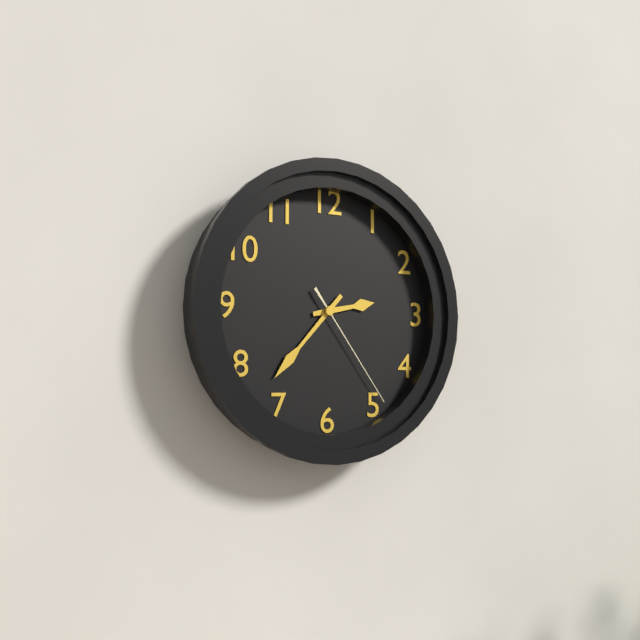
2:37:24
